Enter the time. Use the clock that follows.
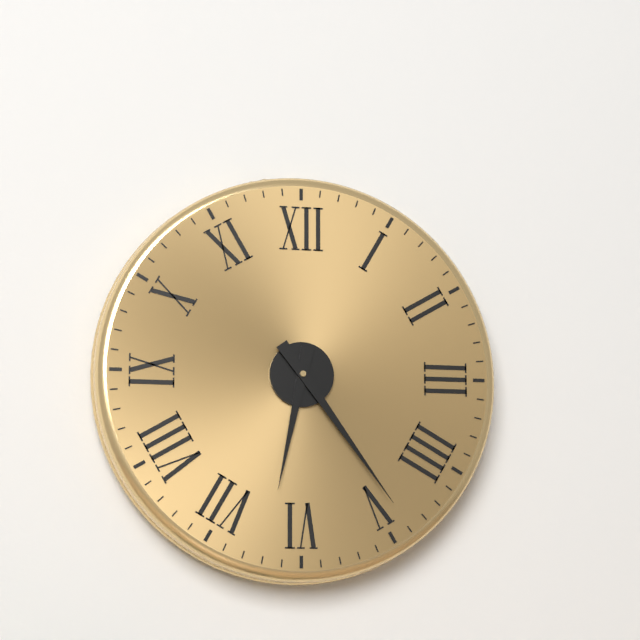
6:24
